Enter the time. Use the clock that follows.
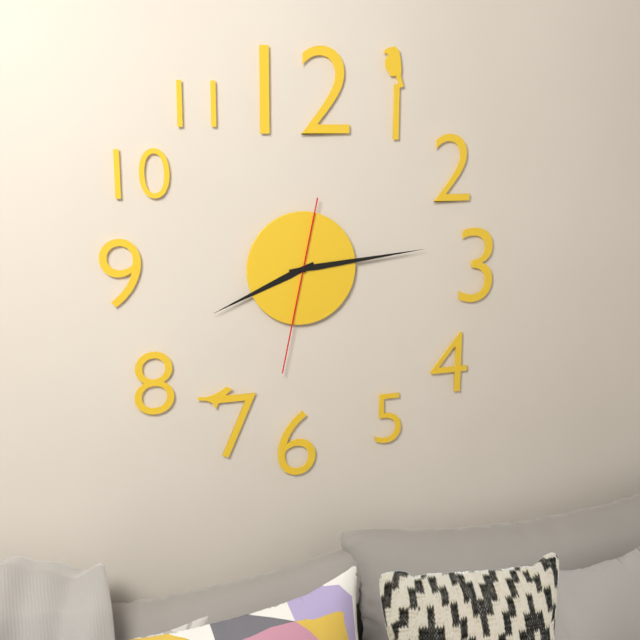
8:14:32
